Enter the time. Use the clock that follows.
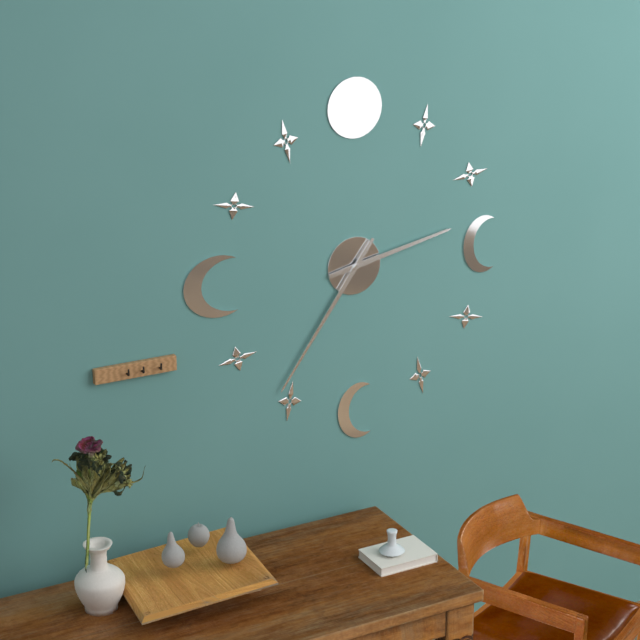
2:36
